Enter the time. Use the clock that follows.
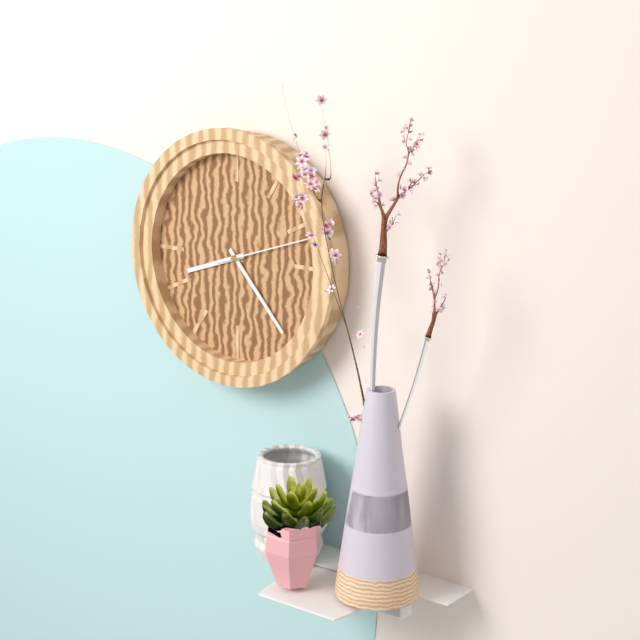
8:23:12
